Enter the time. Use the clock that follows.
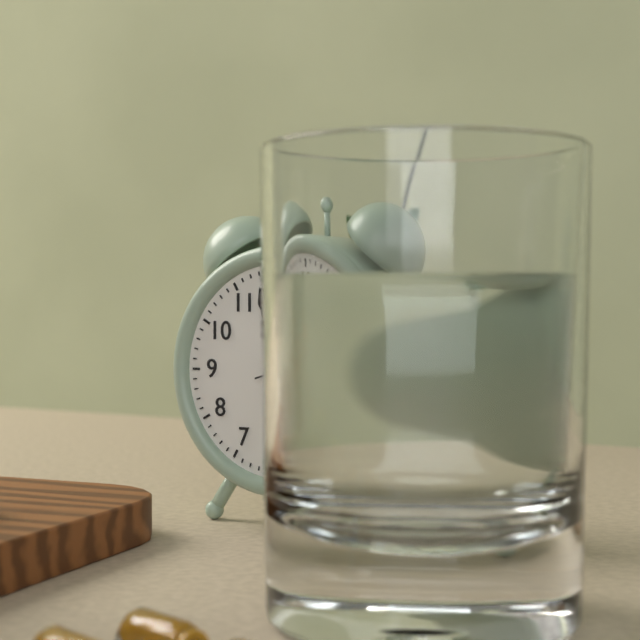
12:58:12
